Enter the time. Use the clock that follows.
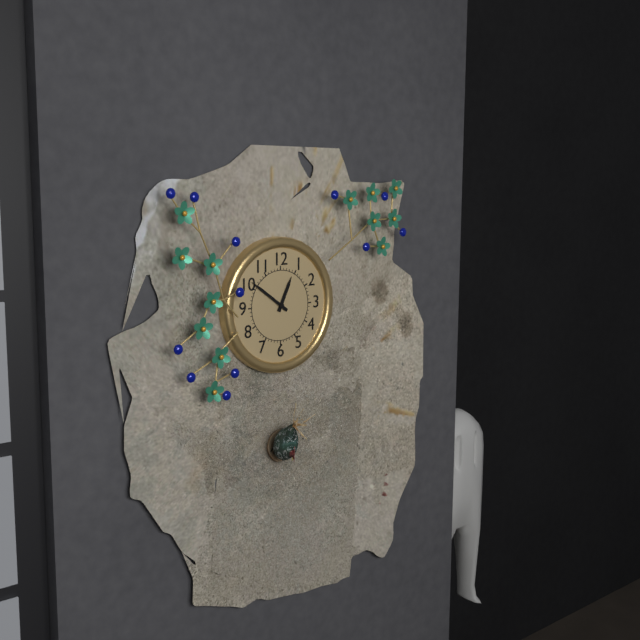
12:51
